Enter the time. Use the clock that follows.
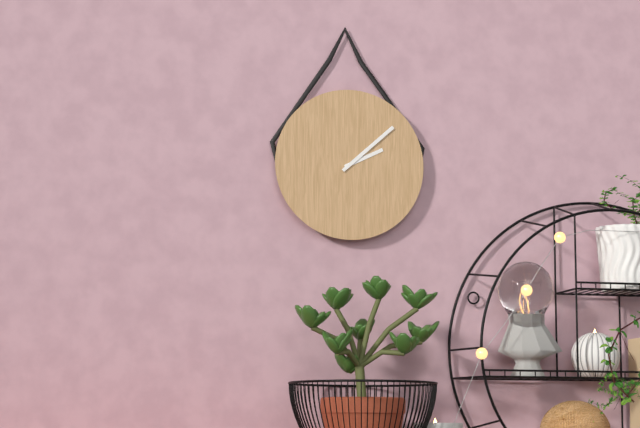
2:08
